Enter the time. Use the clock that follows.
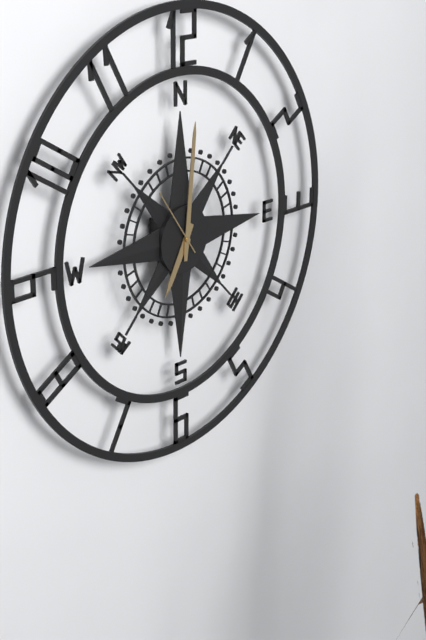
7:01:54
